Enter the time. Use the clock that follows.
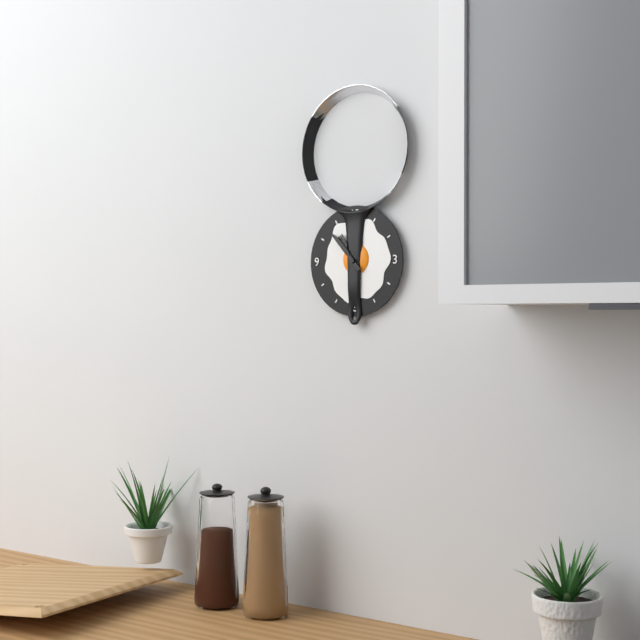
10:53
